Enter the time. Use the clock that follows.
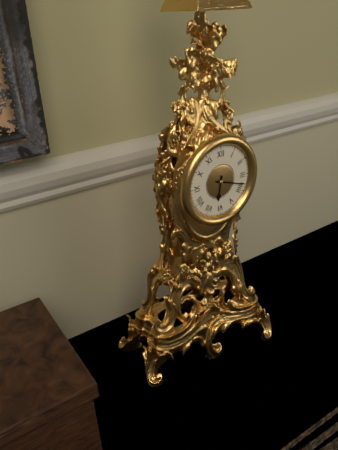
6:18
